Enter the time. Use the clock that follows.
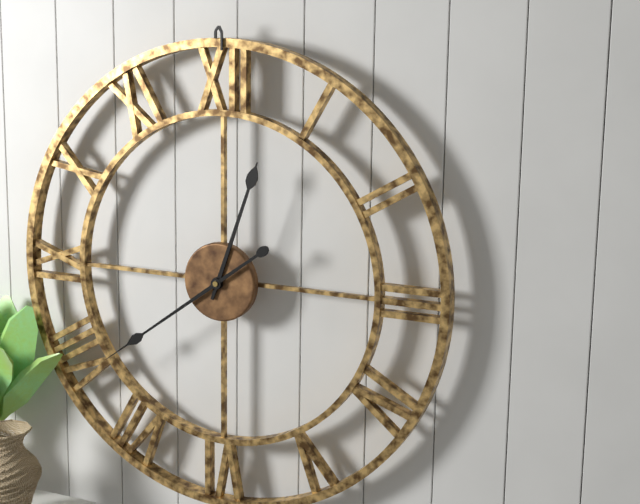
12:39
